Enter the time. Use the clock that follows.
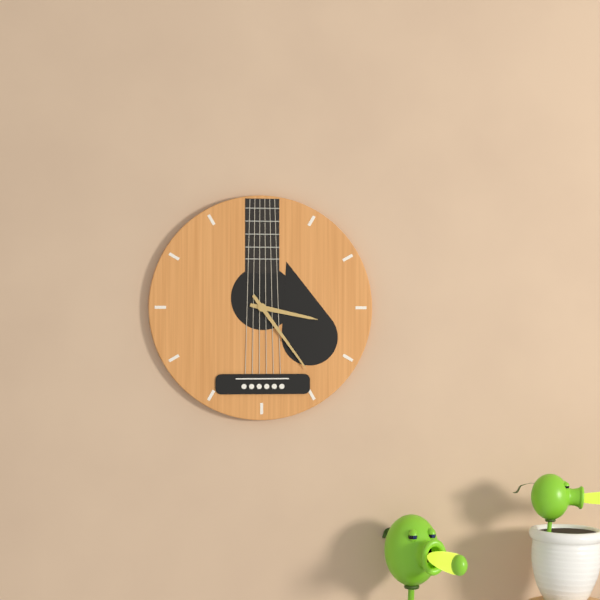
3:24
